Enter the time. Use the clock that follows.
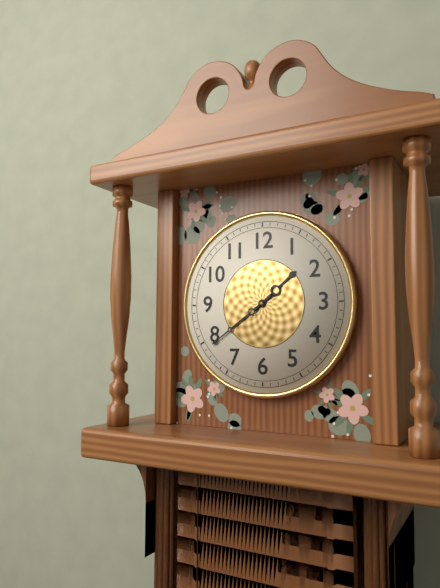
1:39
